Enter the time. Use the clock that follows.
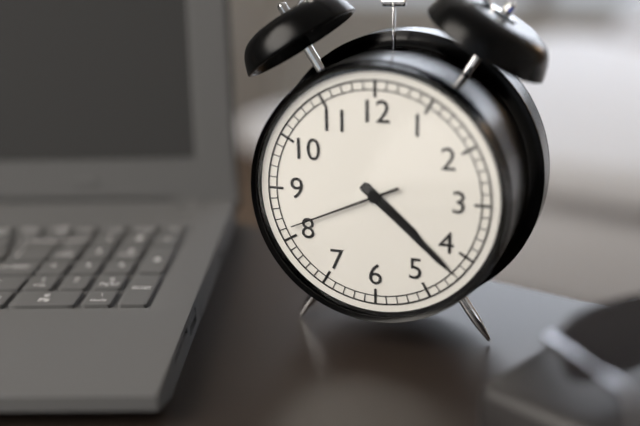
4:22:41
